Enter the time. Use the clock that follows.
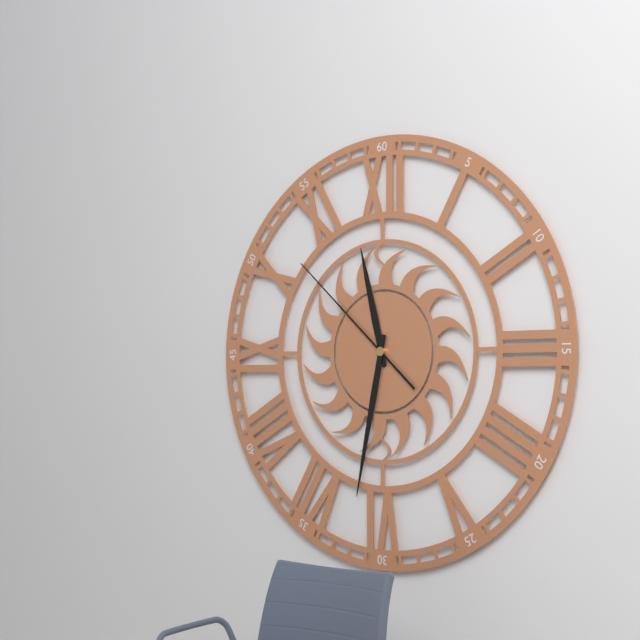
11:32:52
